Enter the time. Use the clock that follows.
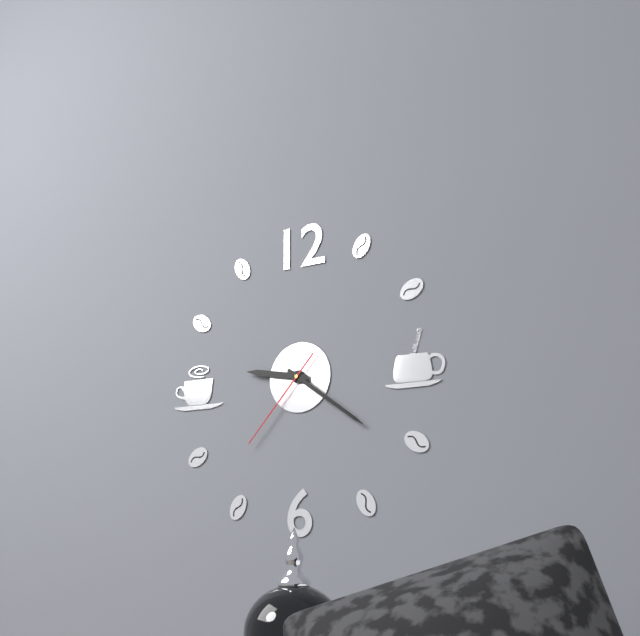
9:21:37
